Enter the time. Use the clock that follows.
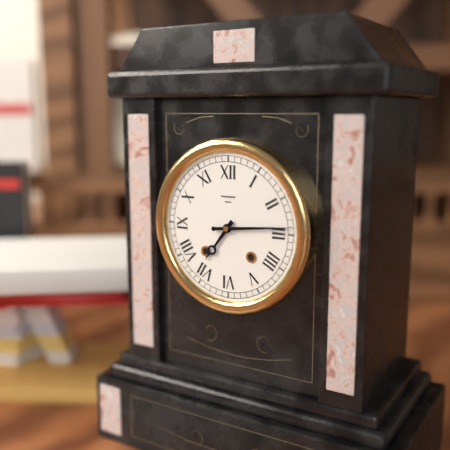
7:14
